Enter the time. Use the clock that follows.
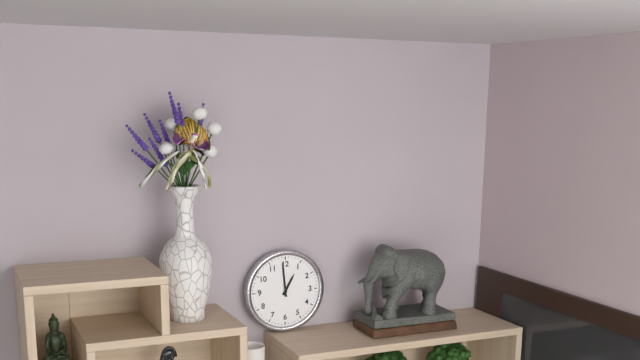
12:59
